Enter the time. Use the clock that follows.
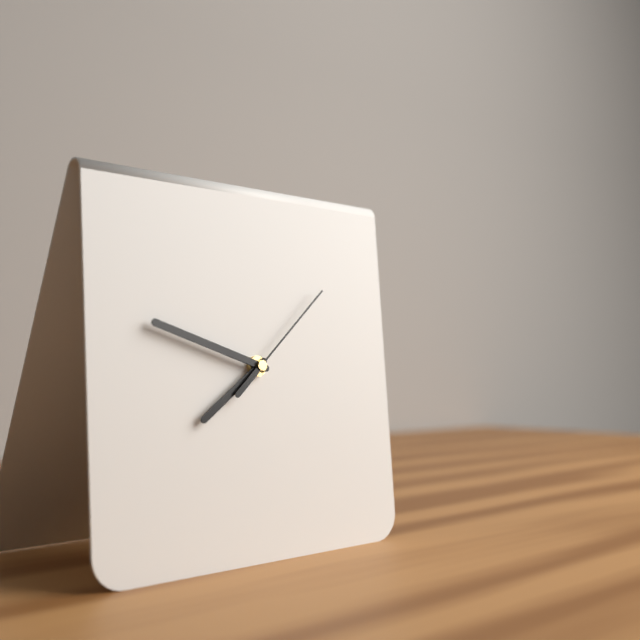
7:48:08
